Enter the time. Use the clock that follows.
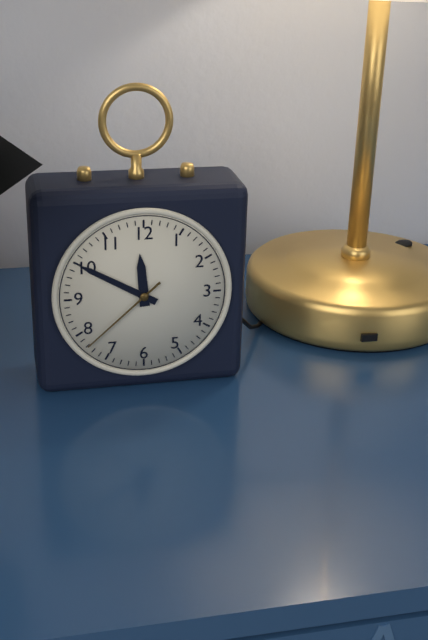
11:50:38
